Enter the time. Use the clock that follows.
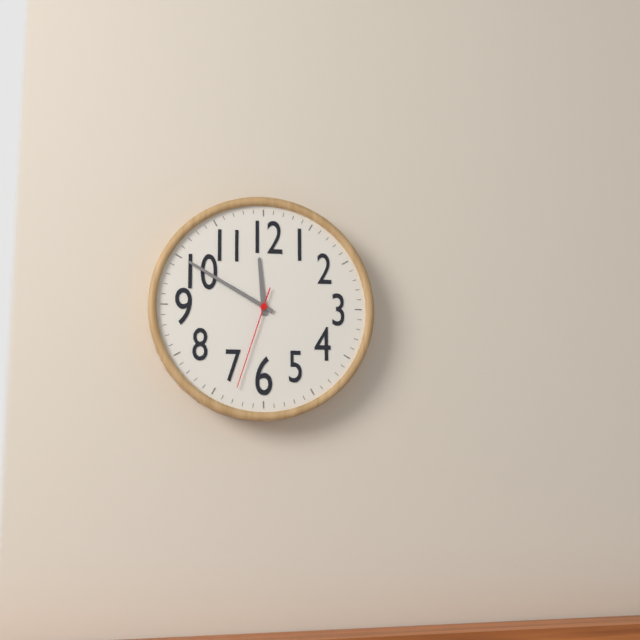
11:50:33
